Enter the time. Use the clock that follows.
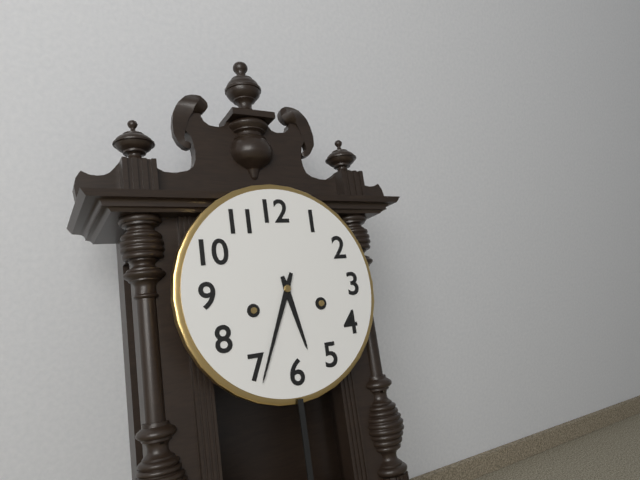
5:34
